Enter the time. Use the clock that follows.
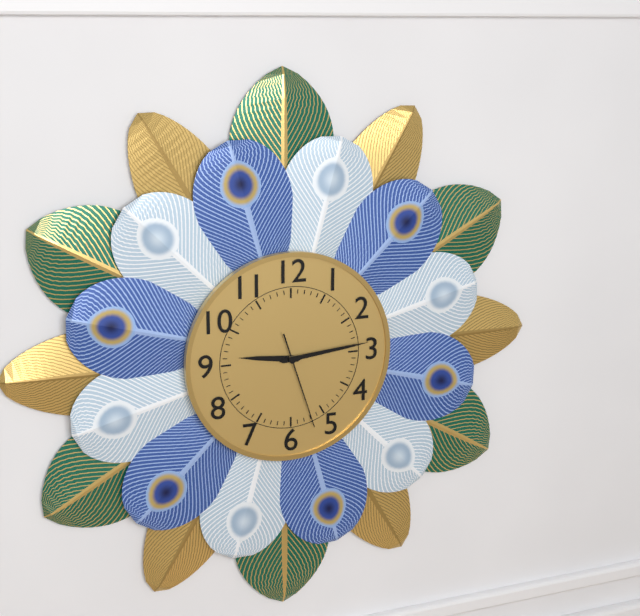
9:14:27
